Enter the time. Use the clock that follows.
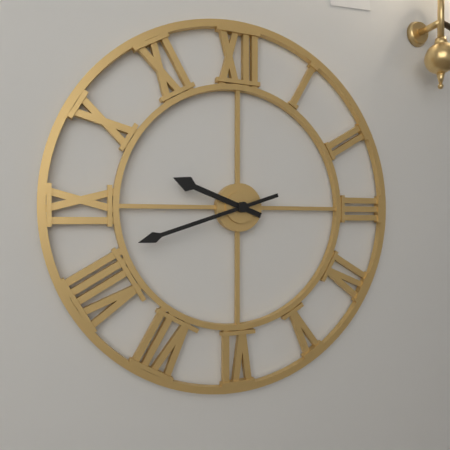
9:42
